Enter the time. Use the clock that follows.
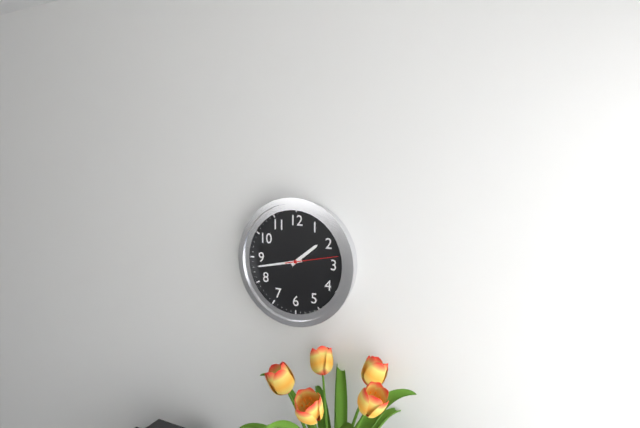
1:43:13
